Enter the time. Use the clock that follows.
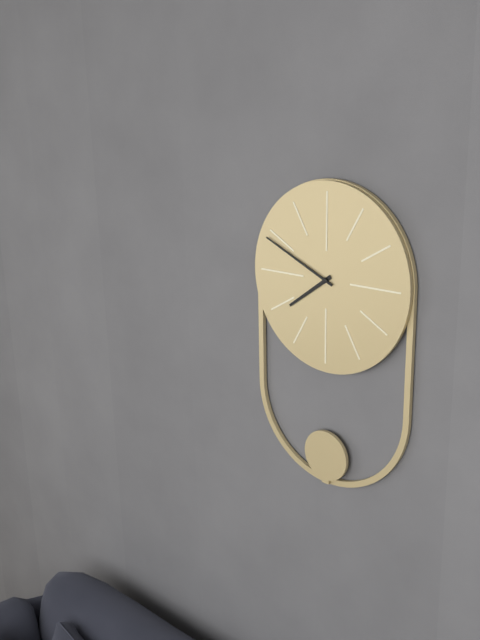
7:49
